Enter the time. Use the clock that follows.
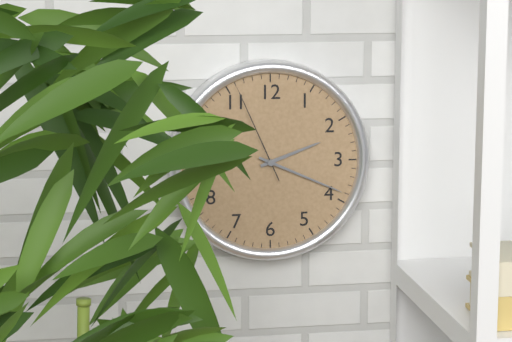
2:19:56
